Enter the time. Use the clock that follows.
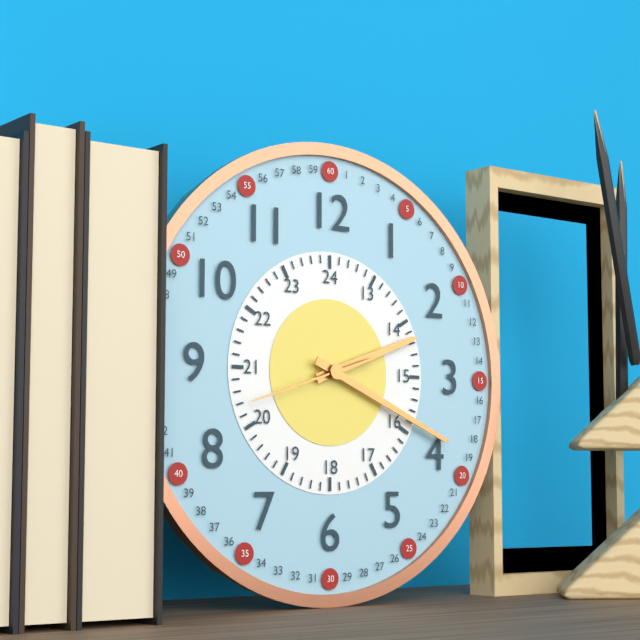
2:19:42
